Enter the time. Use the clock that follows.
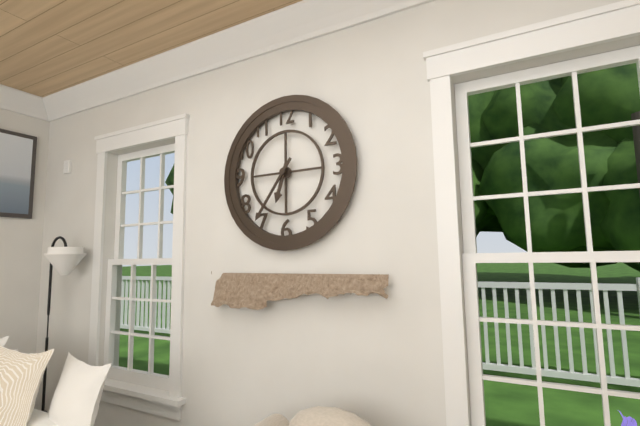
6:36
